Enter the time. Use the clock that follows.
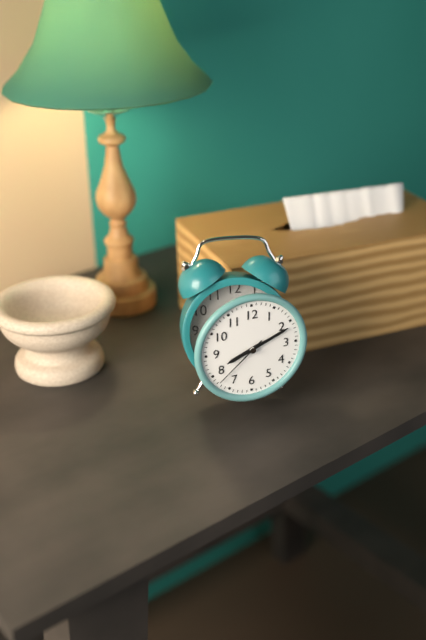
8:11:38
